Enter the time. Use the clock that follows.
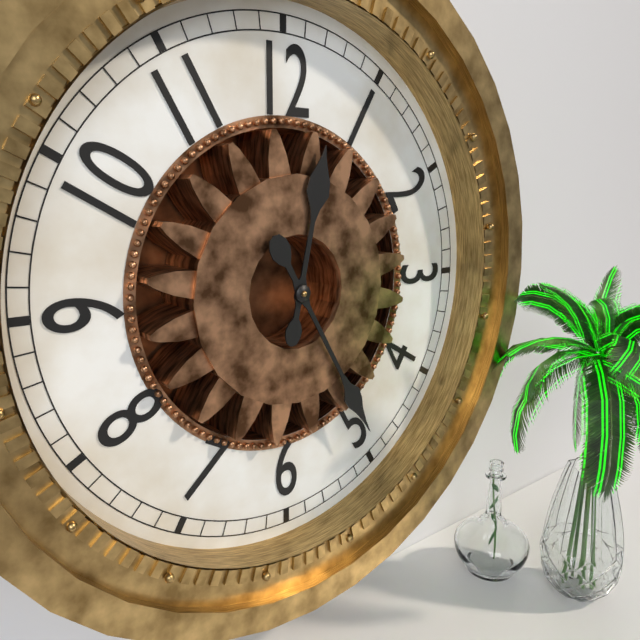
12:25
